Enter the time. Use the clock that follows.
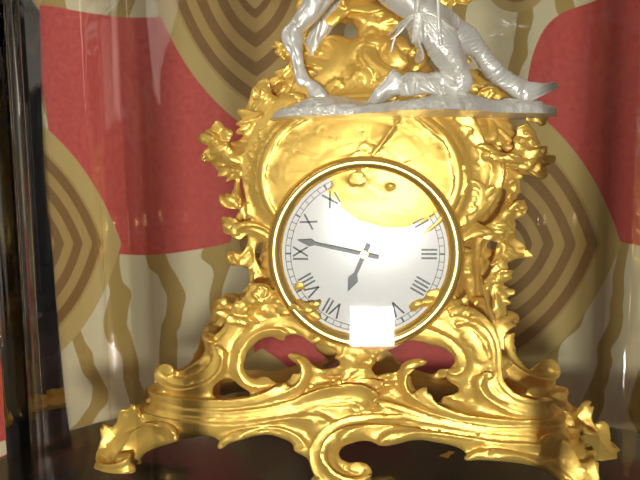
6:47
